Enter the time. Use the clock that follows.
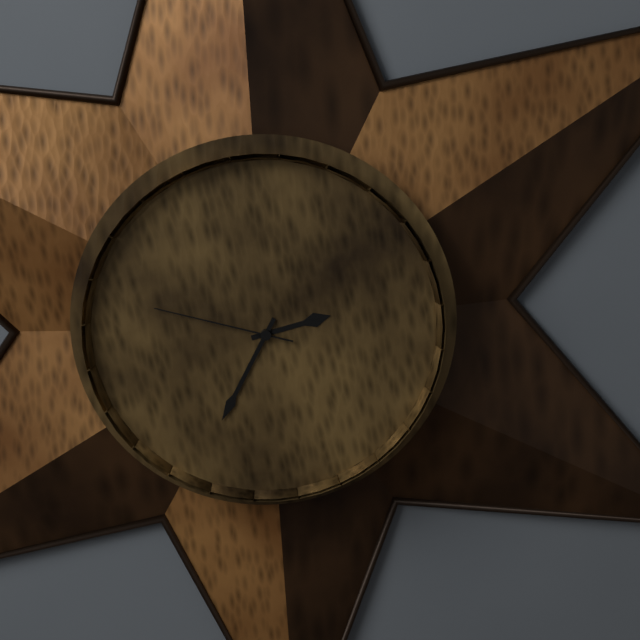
2:35:48
